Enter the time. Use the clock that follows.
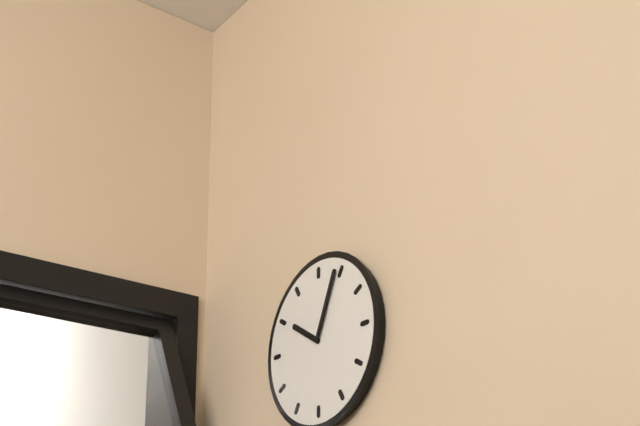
10:04
